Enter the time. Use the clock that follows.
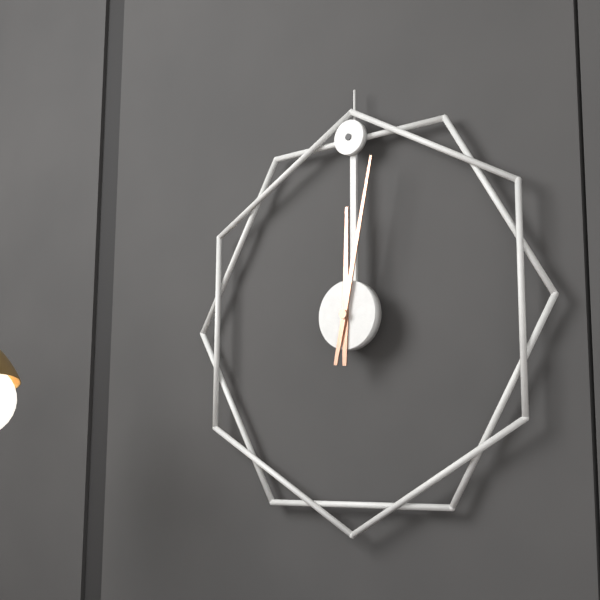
12:02
